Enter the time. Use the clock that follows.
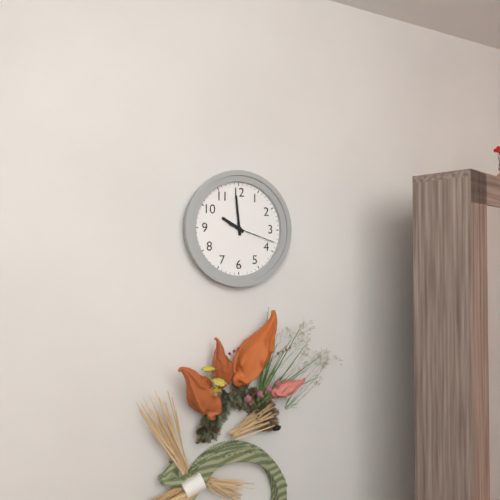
9:59
